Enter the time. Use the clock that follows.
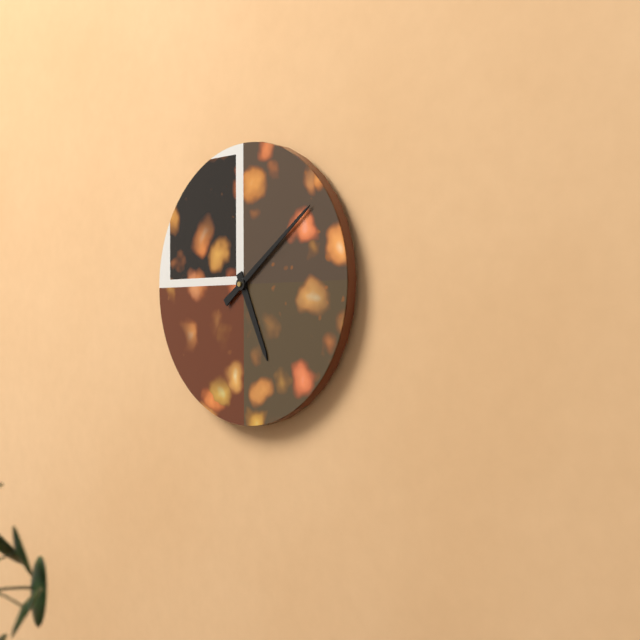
5:09
